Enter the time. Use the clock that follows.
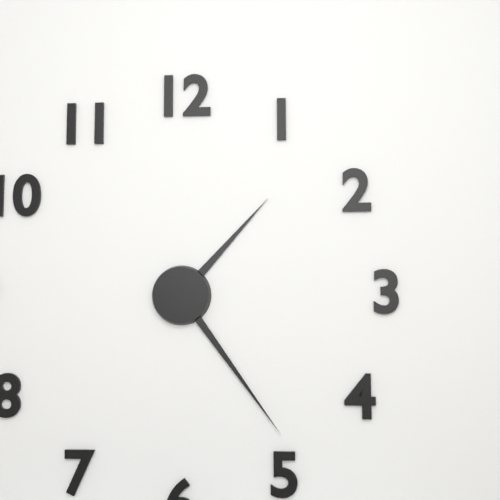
1:24
